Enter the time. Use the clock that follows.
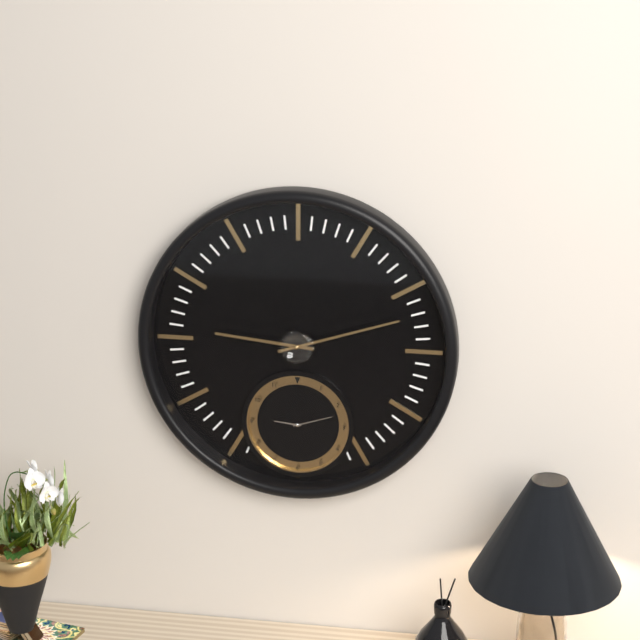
9:12
